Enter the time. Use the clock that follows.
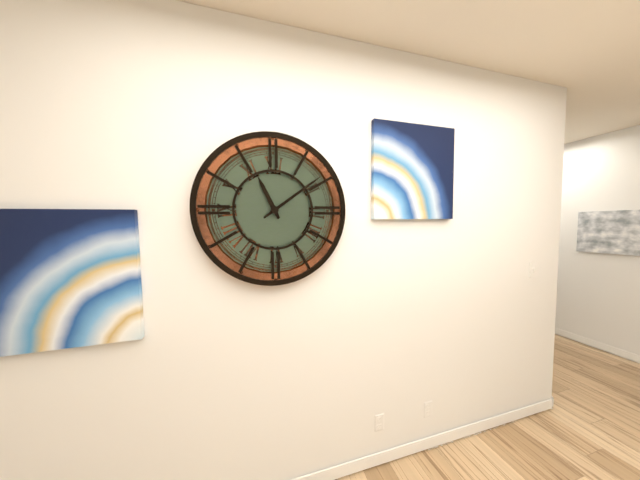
11:09
